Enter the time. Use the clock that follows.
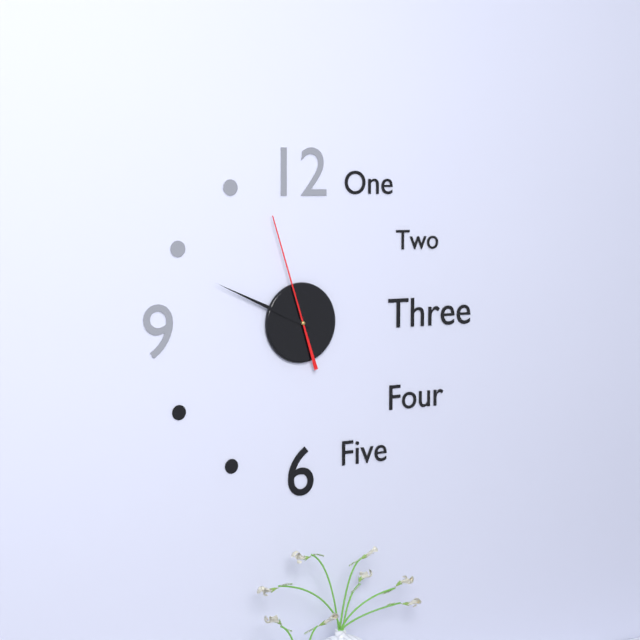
9:49:57
